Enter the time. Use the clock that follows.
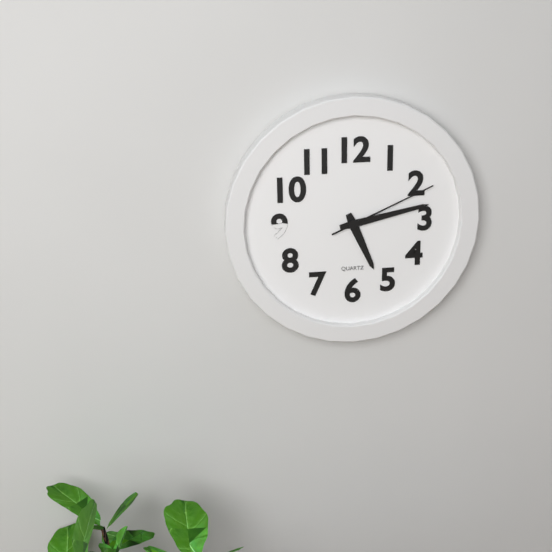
5:13:11
